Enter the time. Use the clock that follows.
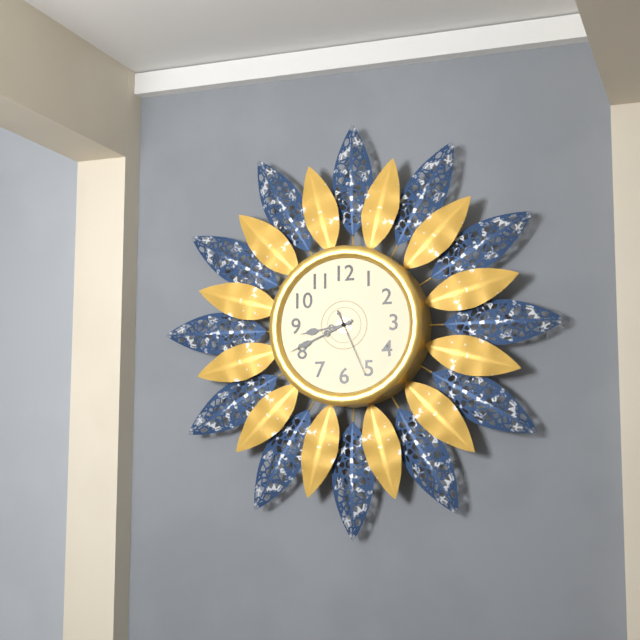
8:41:26
